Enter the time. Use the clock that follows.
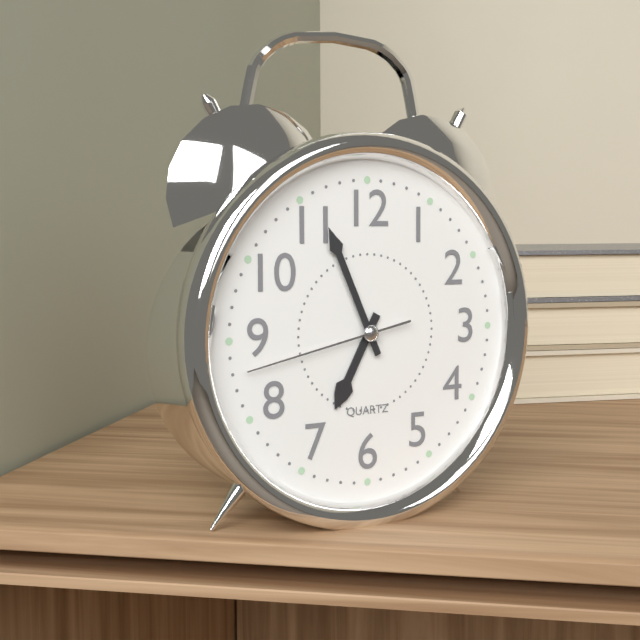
6:56:43
